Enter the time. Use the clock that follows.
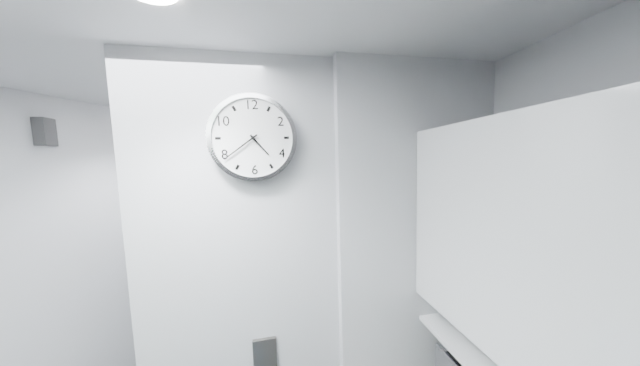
4:39
